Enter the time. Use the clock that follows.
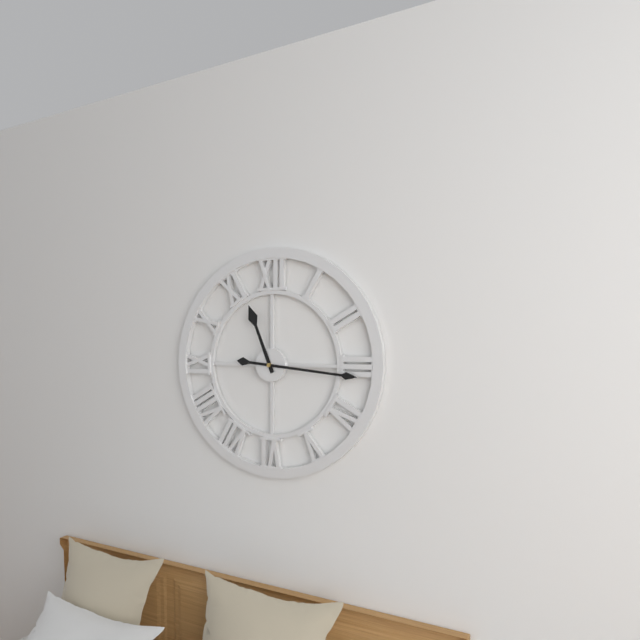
11:16
